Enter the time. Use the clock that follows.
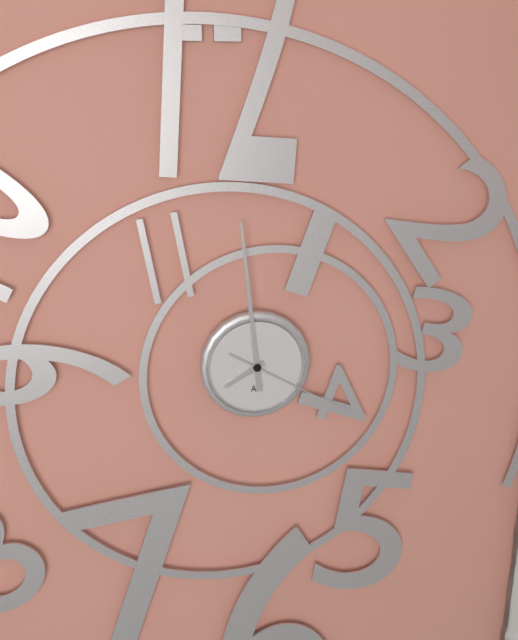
7:59:20
